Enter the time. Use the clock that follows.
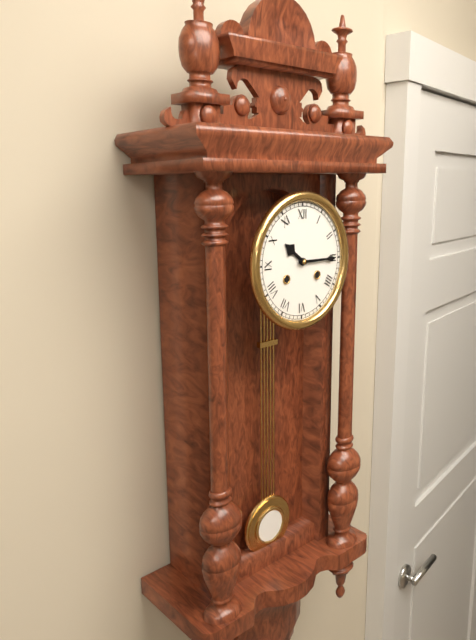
10:15
